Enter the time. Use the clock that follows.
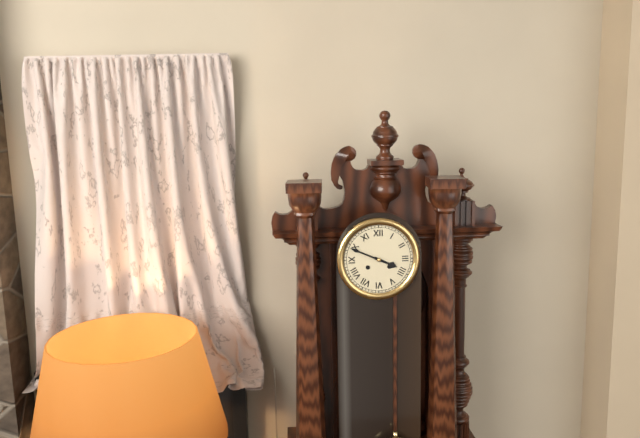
3:49
